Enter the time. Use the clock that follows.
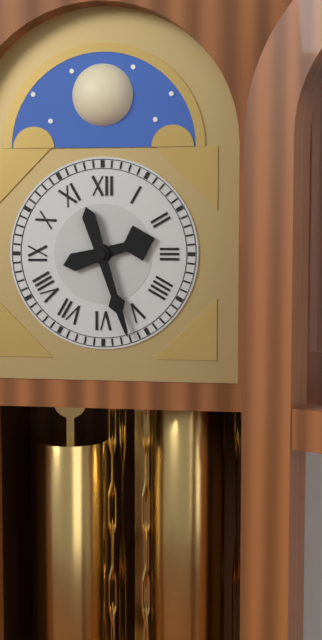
2:27
